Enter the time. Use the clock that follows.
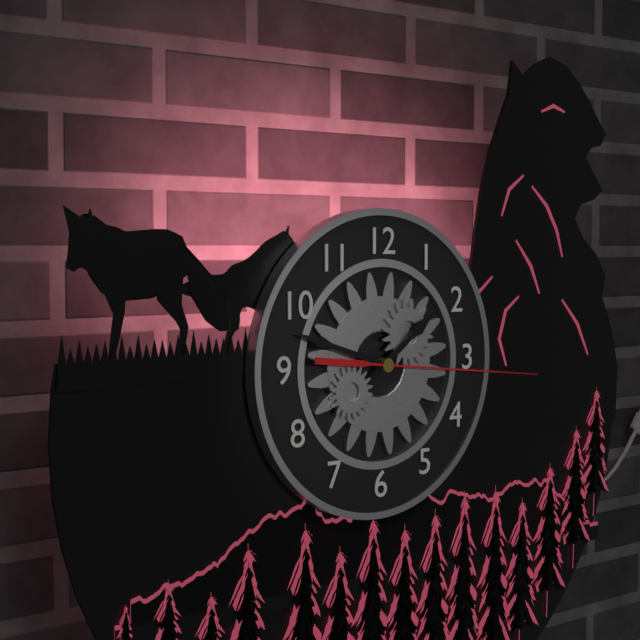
1:48:16
